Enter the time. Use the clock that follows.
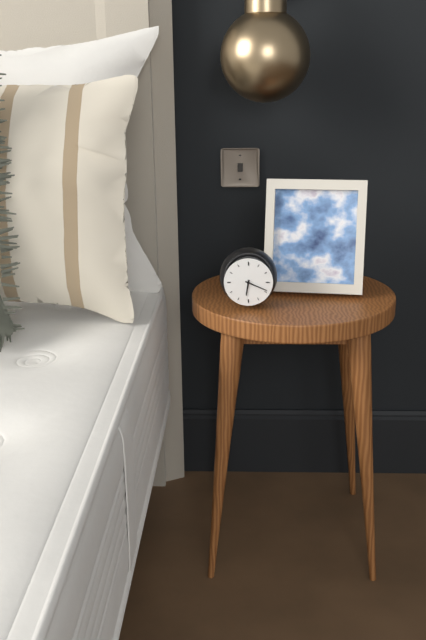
6:19
